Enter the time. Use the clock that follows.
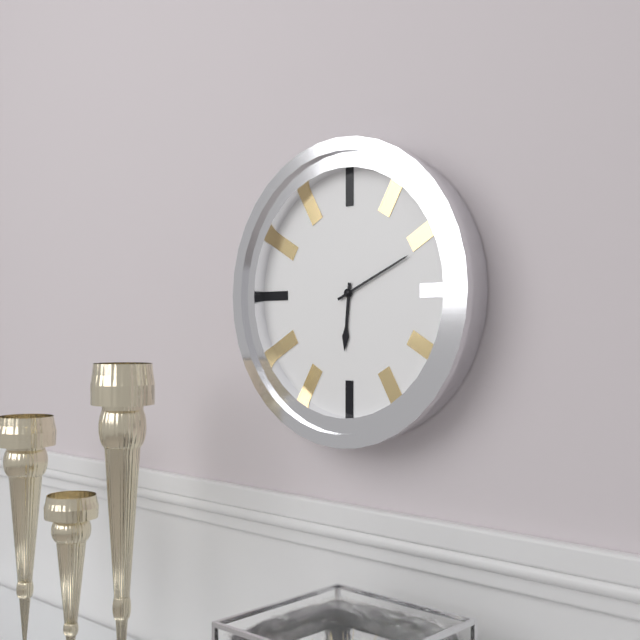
6:11
